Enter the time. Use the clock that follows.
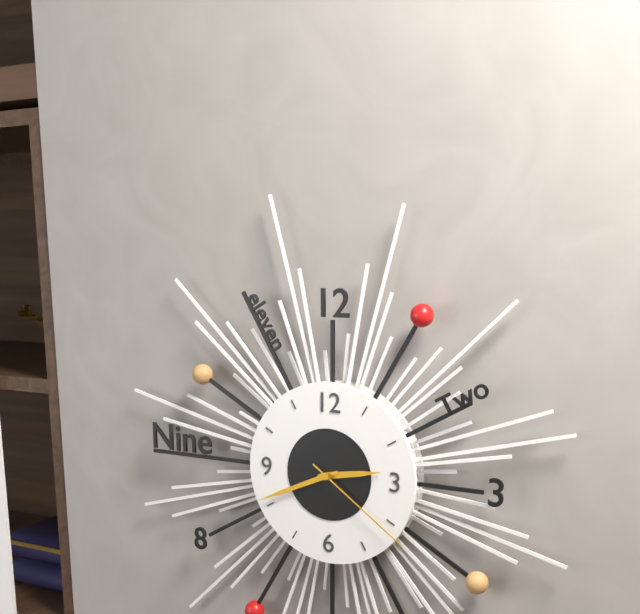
2:41:21
